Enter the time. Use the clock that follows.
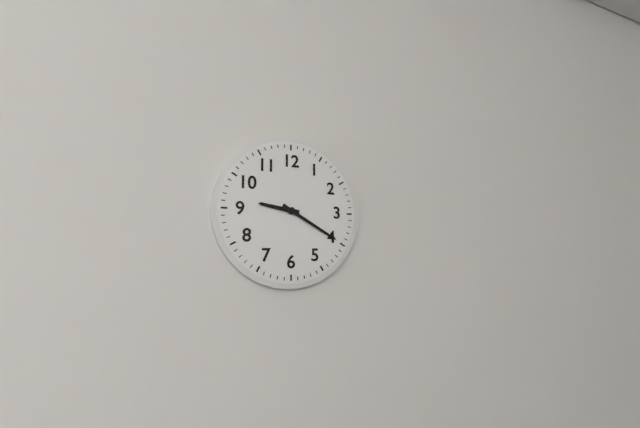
9:20
